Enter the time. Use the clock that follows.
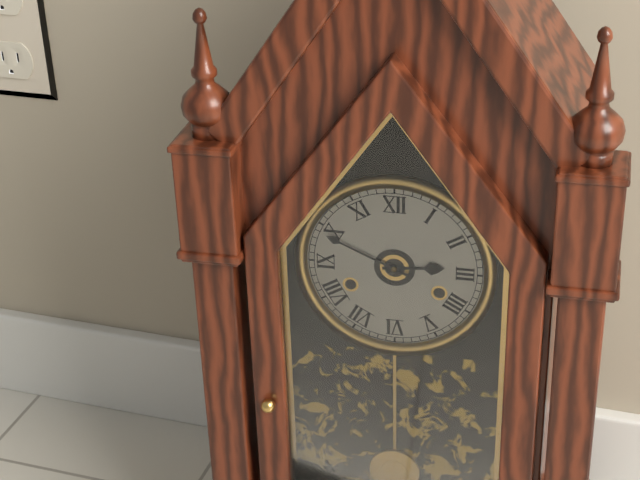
2:49
